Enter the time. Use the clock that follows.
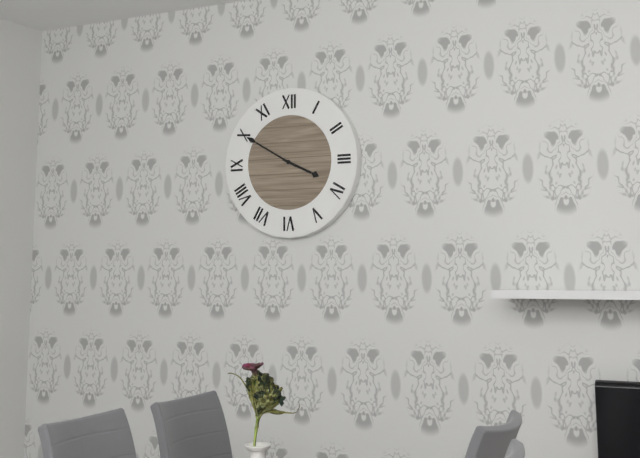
3:50
